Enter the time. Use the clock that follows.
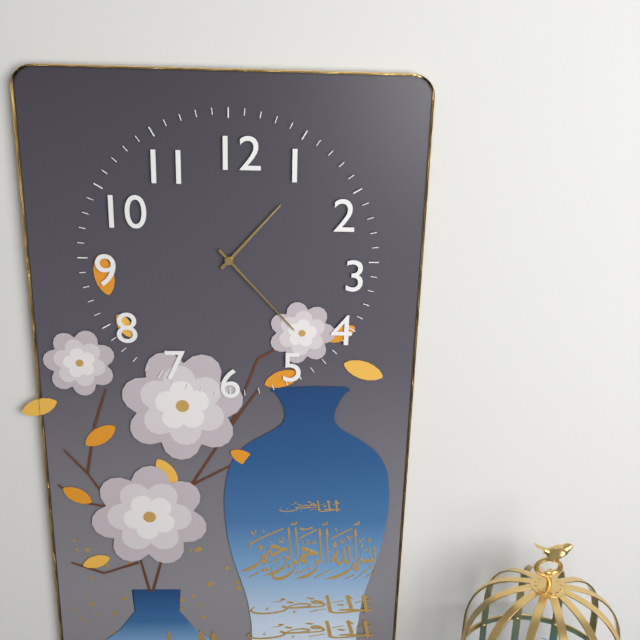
1:23
